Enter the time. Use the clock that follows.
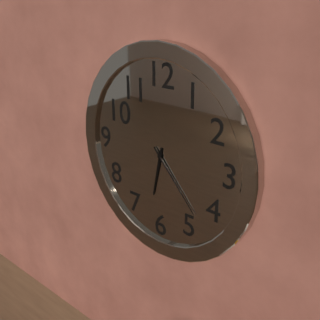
6:23
